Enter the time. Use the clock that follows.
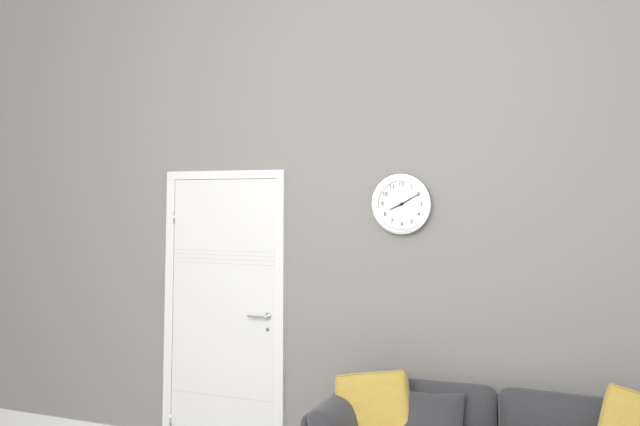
8:10
